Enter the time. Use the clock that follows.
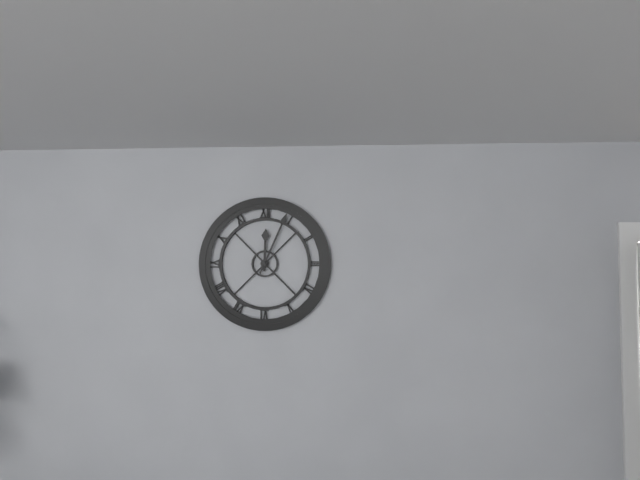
12:04
